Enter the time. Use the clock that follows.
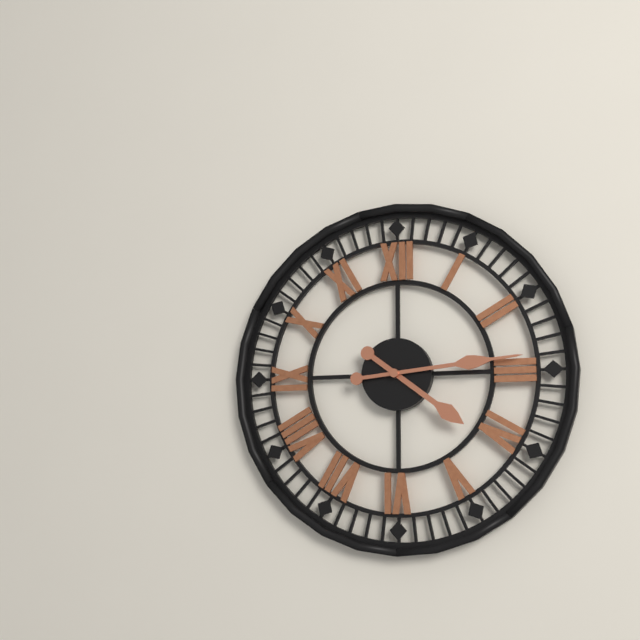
4:14
